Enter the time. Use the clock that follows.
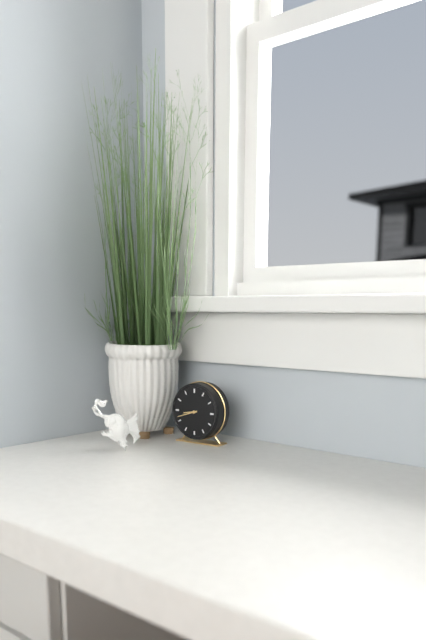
8:42
